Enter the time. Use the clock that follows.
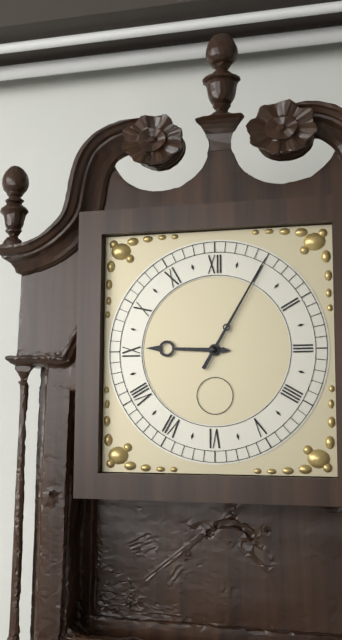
9:05
